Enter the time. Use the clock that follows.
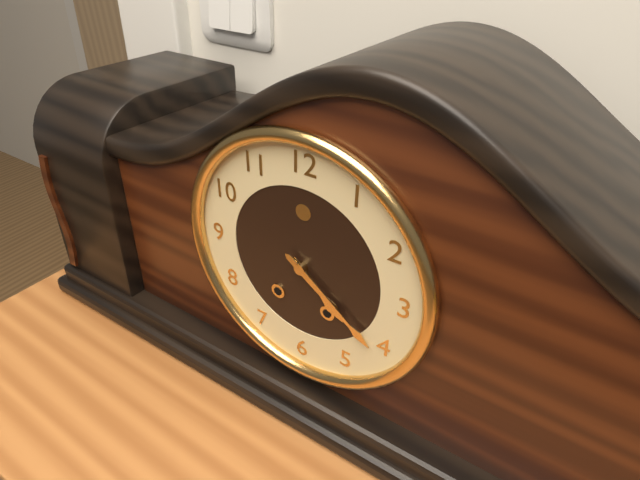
4:21
